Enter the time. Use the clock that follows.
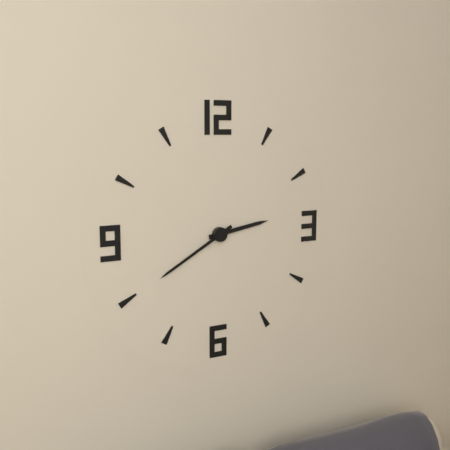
2:40
